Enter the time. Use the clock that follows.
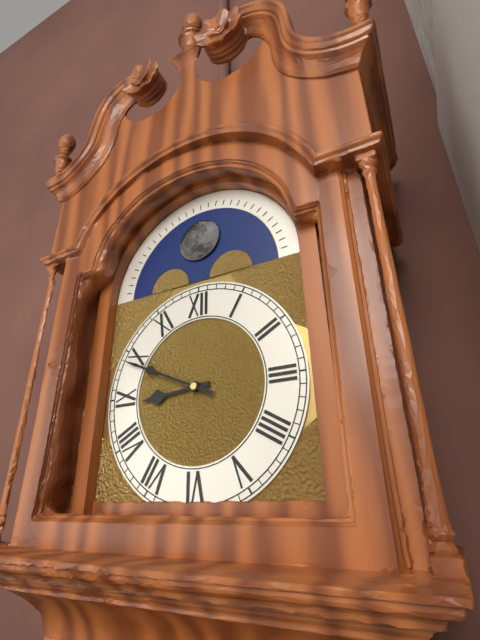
8:49
